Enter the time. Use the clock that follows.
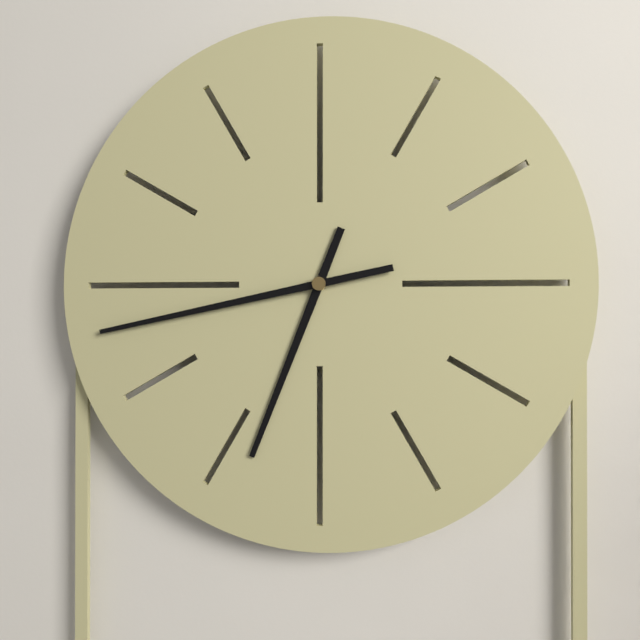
6:43
